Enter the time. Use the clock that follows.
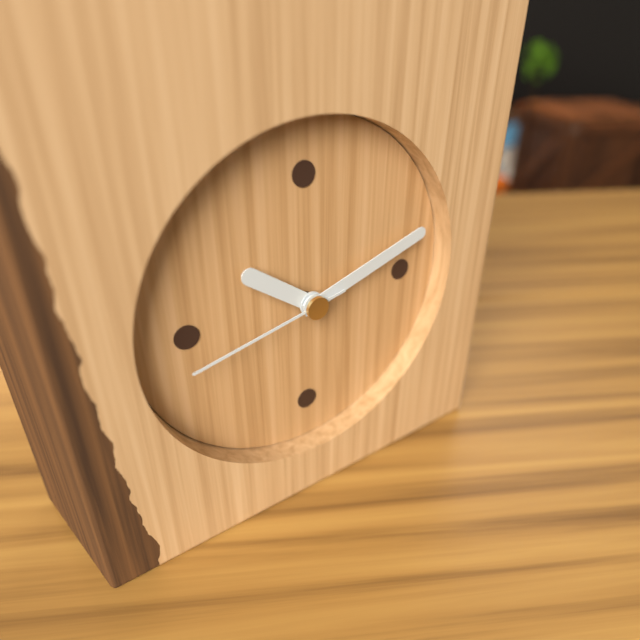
10:12:43
